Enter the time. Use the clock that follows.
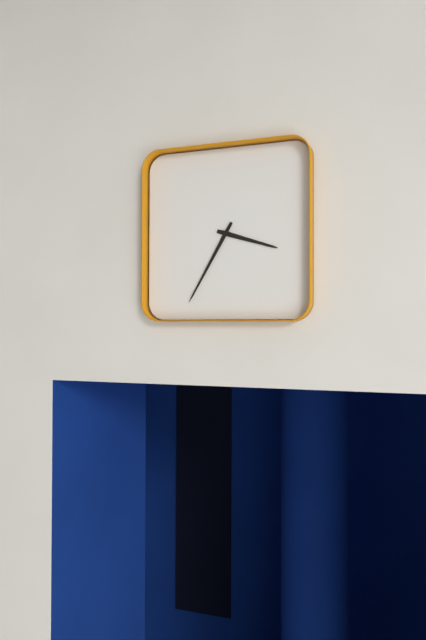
3:35
